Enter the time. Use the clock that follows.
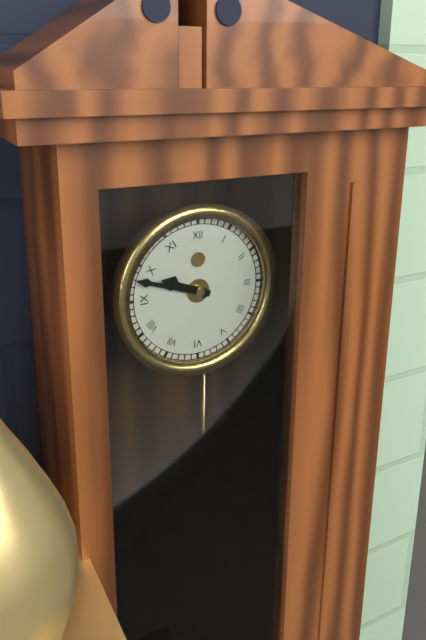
9:48
